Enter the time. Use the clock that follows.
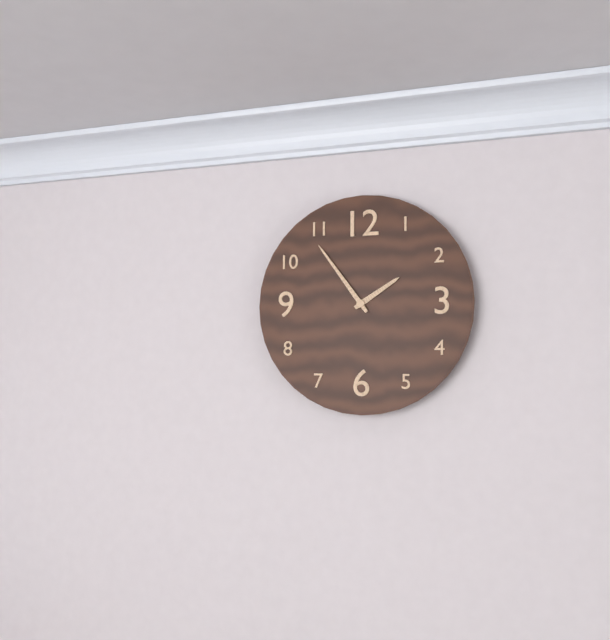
1:54
